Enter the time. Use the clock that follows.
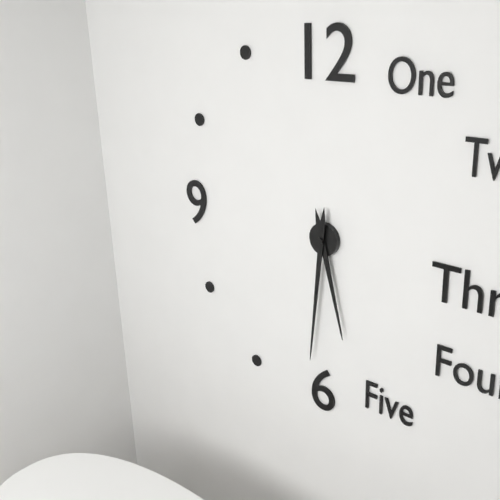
5:31
